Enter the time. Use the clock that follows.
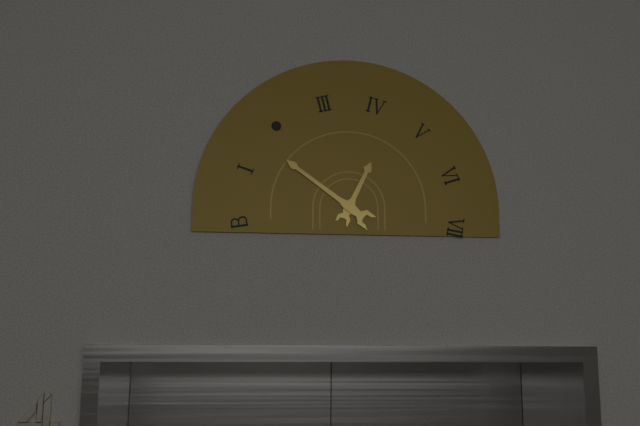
12:51
